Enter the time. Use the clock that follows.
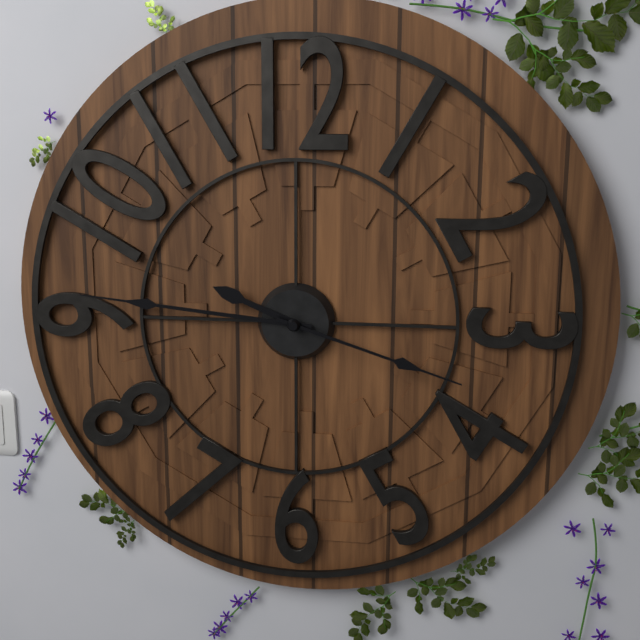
9:46:18
